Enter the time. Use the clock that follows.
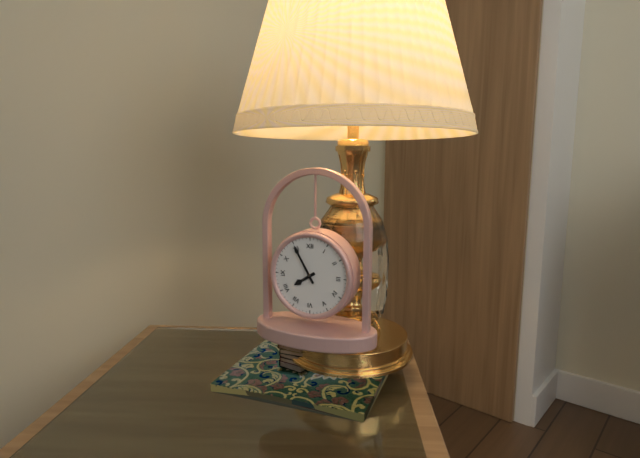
7:55
